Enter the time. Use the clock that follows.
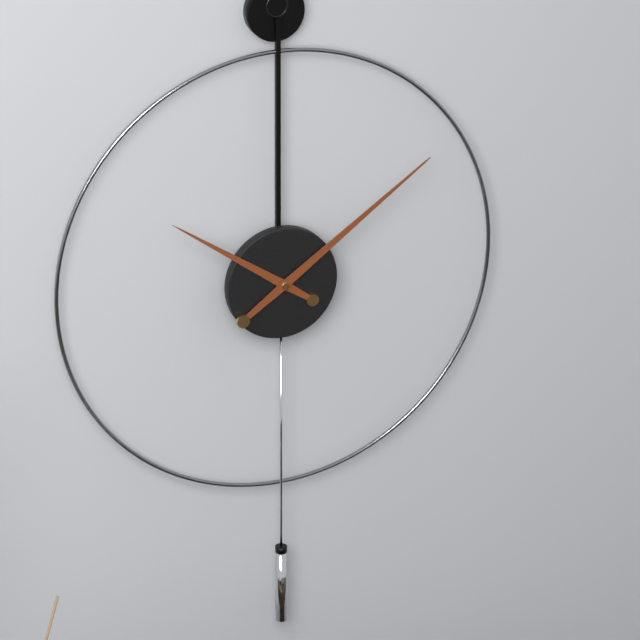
10:09
